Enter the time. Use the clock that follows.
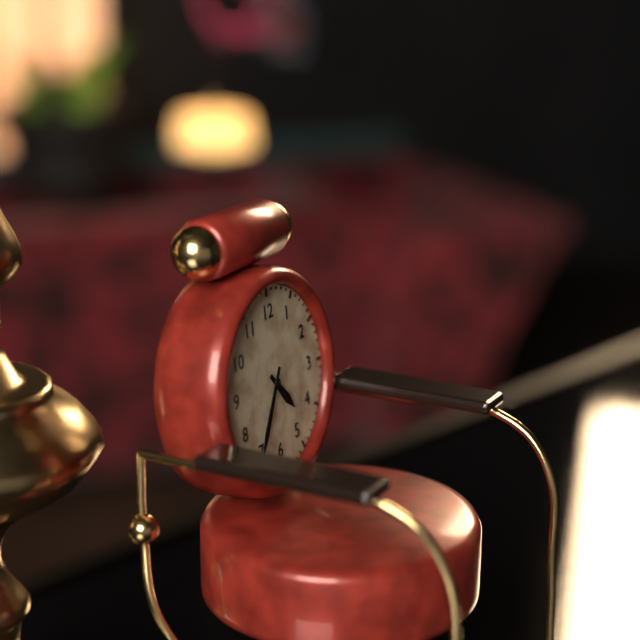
4:35
